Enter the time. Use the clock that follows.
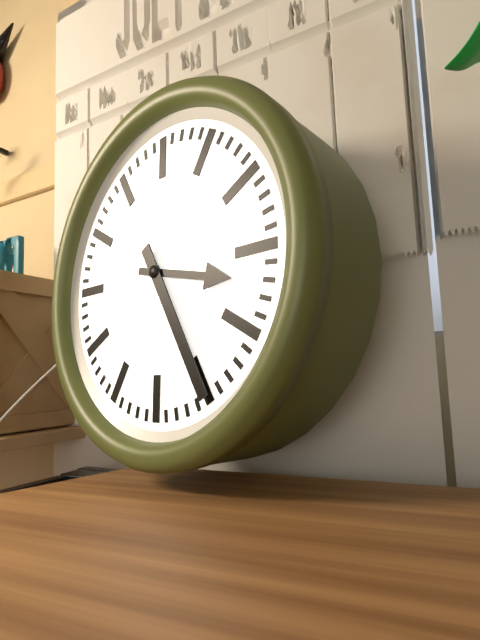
3:25
